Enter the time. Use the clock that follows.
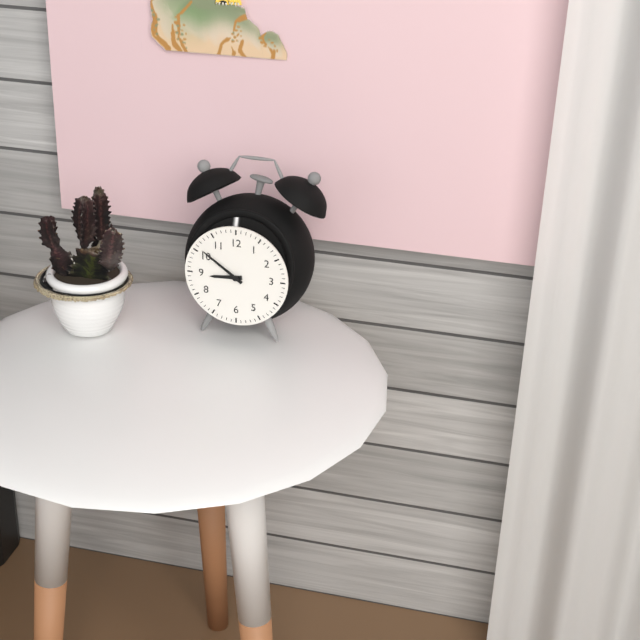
8:51
